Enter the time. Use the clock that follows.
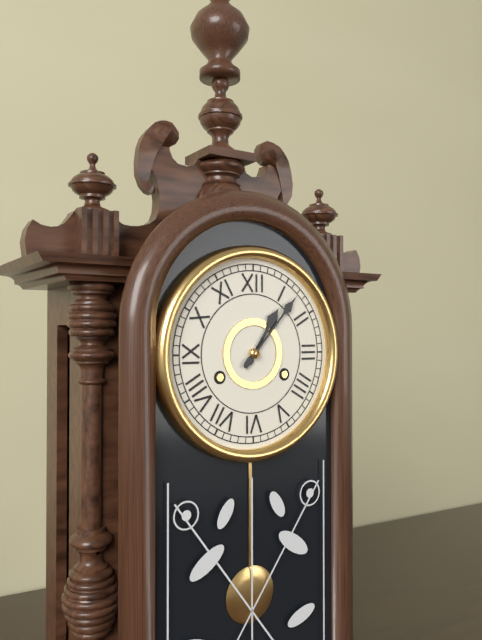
1:07
